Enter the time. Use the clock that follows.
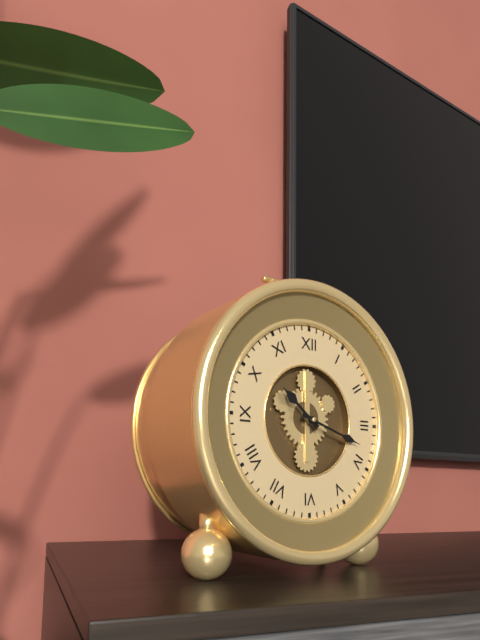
10:18
